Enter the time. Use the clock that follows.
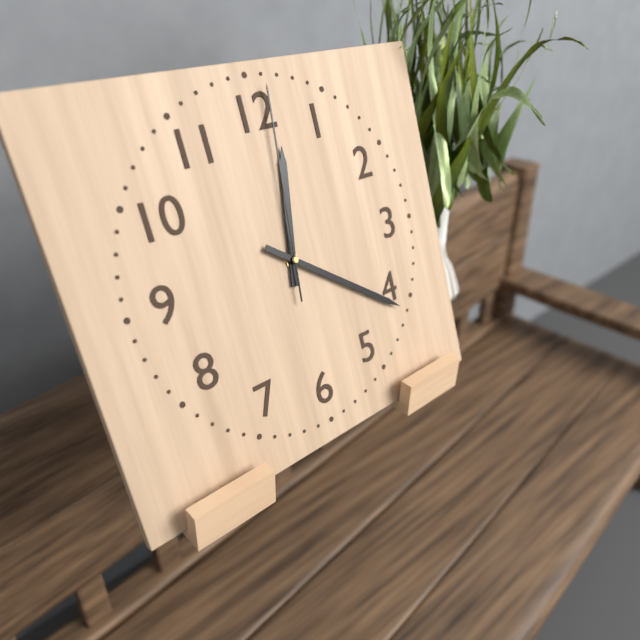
12:21:01
